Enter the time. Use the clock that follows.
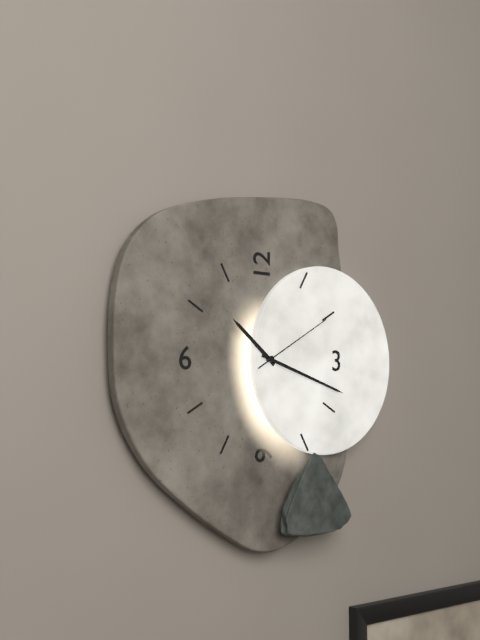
10:18:10
